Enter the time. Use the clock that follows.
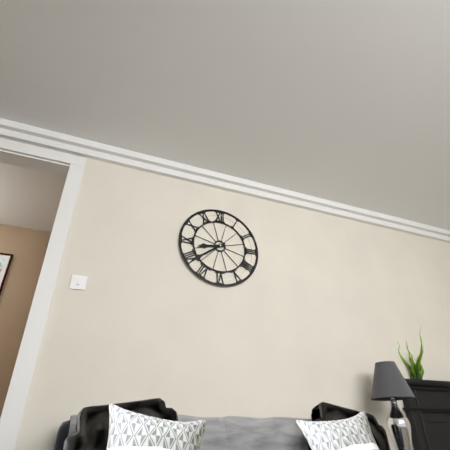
8:39
